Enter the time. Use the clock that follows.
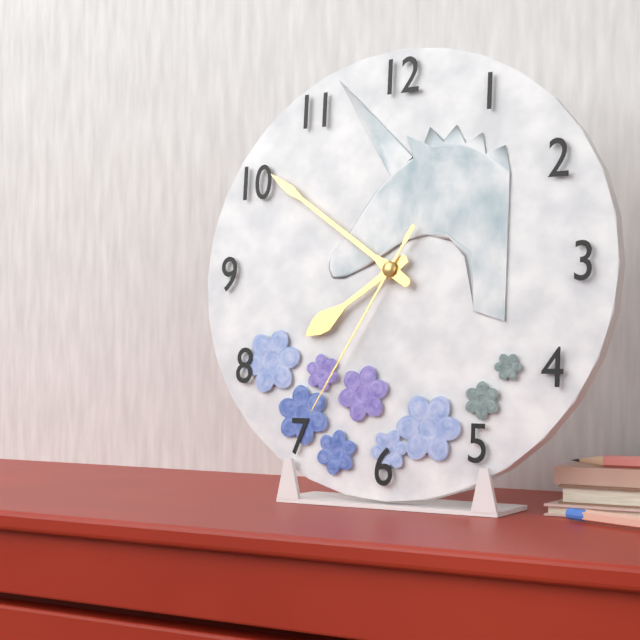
7:51:35
